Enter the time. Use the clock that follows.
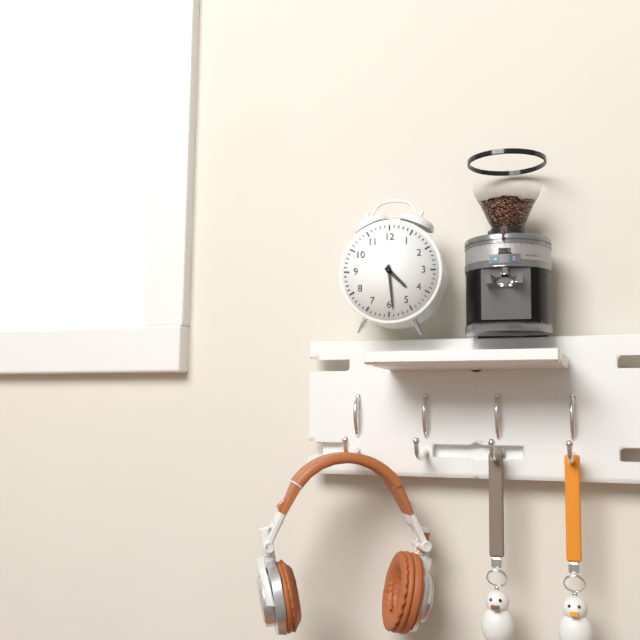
4:29
